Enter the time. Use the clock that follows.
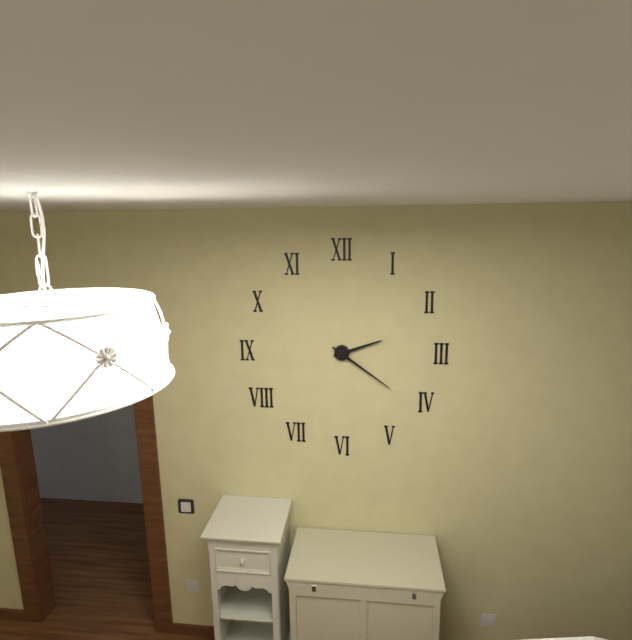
2:21
